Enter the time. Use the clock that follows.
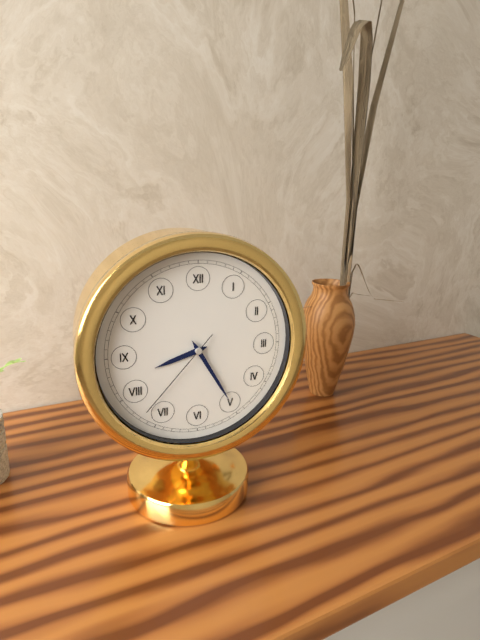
8:25:37
